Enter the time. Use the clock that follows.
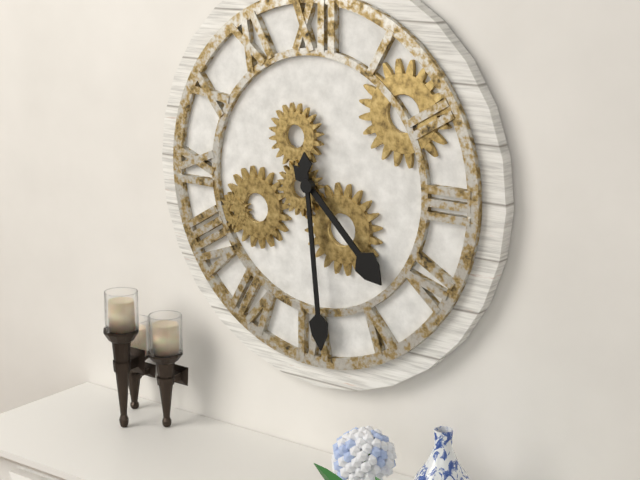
4:29
